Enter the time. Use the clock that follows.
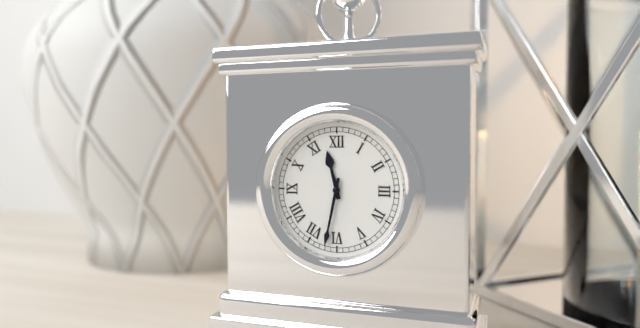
11:32
